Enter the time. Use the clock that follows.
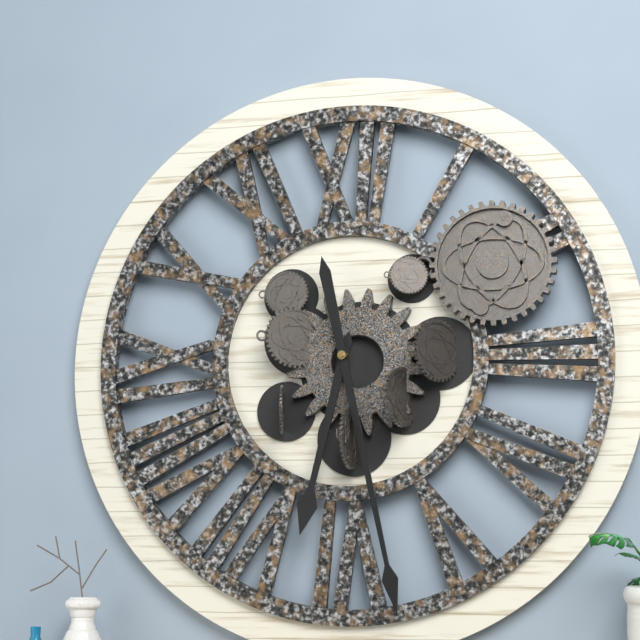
6:28
